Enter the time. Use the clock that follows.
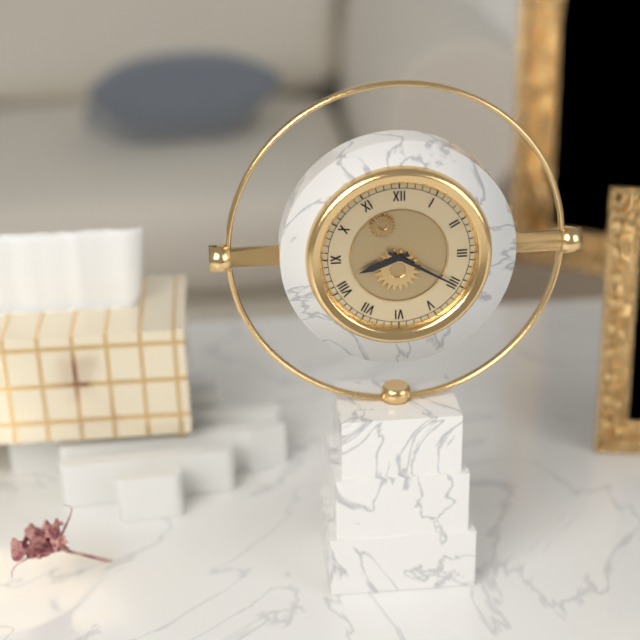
8:20
